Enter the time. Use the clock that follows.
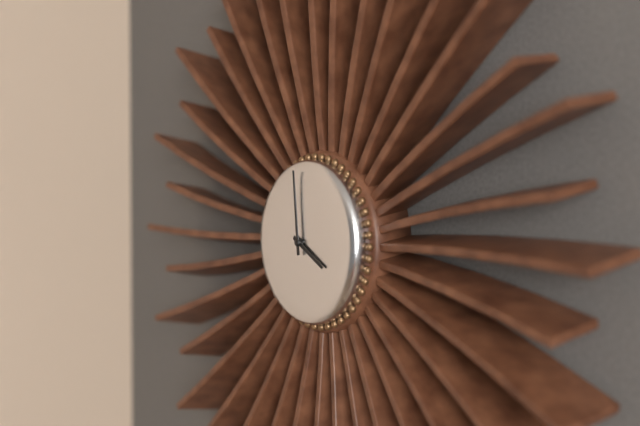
3:59
